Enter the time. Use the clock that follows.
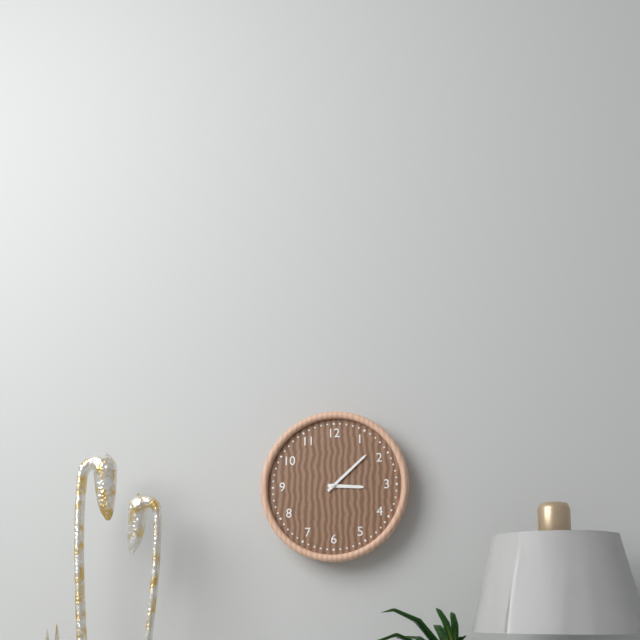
3:08
